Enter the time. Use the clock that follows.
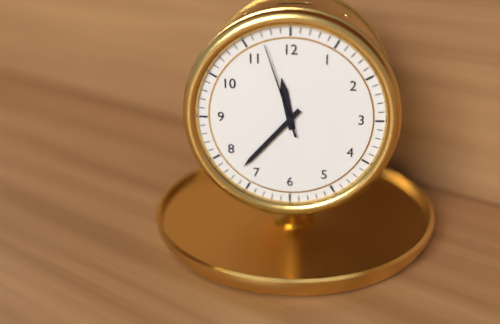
11:37:57
